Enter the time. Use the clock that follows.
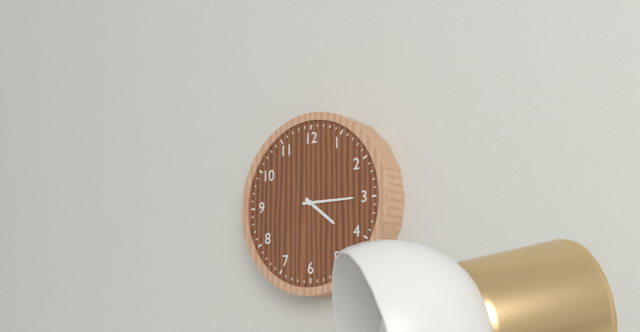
4:15
